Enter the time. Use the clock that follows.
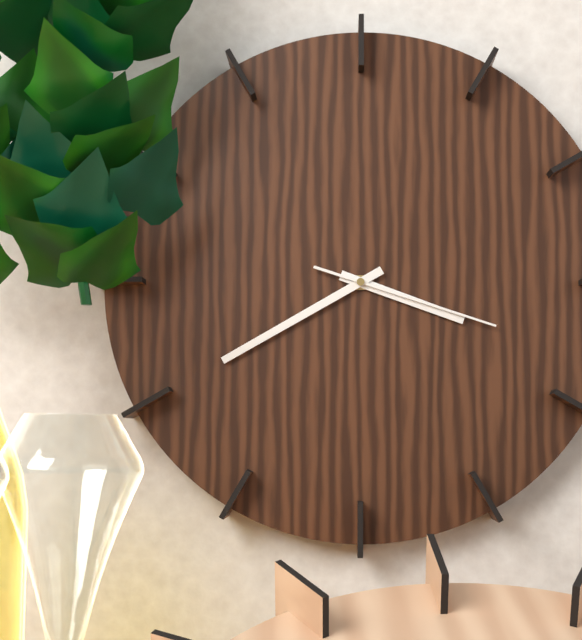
3:40:18
